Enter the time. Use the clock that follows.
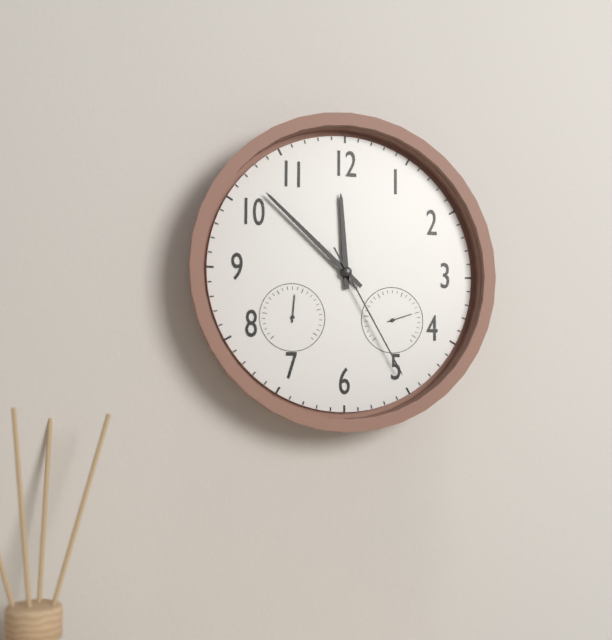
11:52:25
